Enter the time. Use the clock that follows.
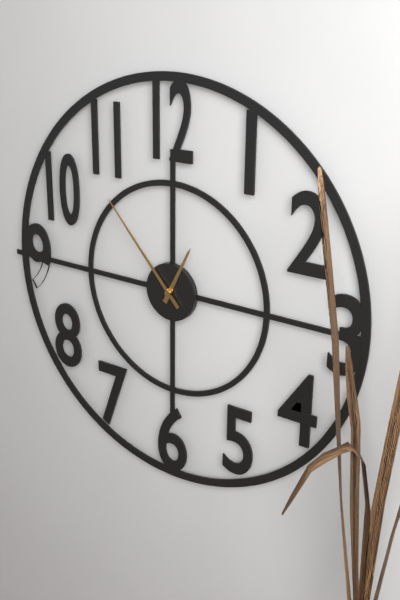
12:53
